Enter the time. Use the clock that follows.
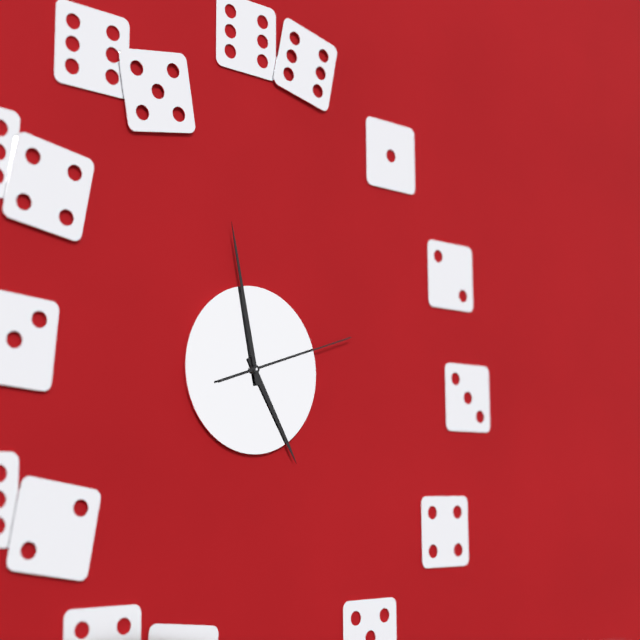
4:58:12
